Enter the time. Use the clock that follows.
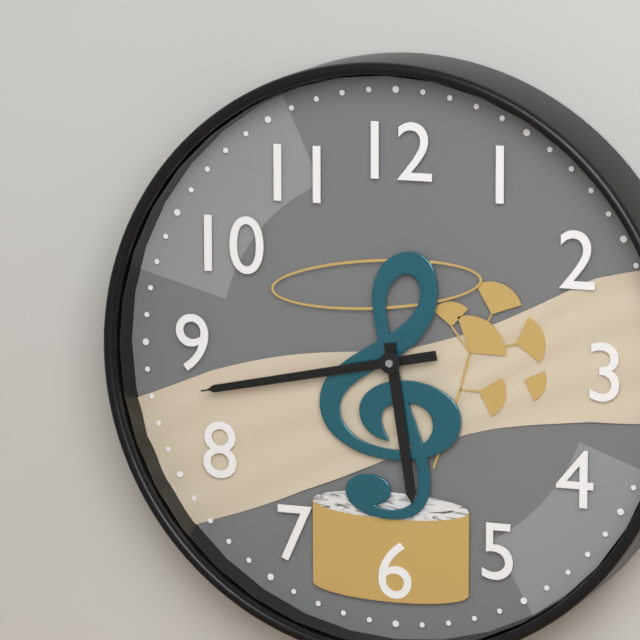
5:43:43
